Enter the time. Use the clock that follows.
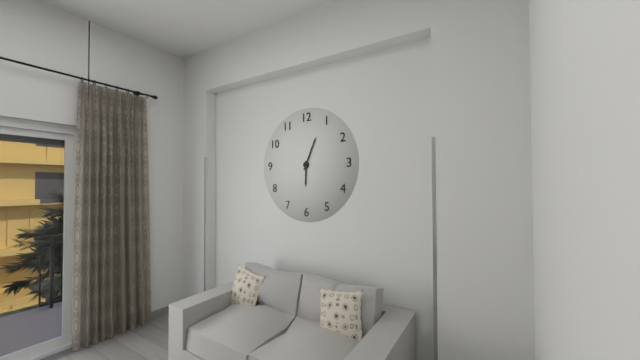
6:04
